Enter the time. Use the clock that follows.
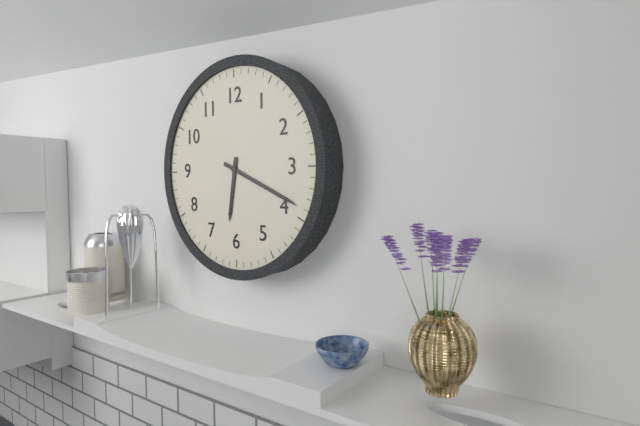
6:19
